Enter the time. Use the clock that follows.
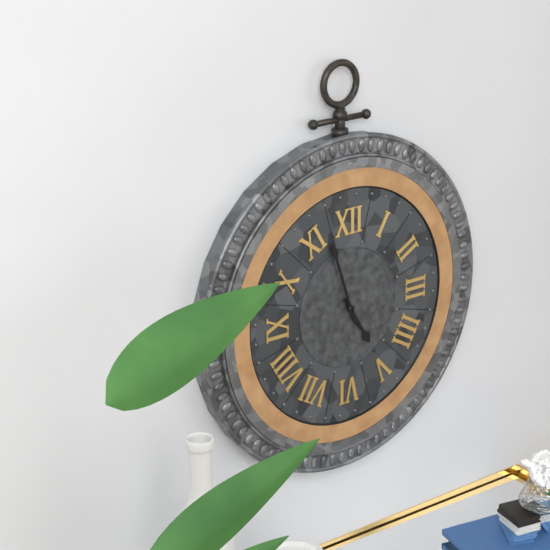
4:57
